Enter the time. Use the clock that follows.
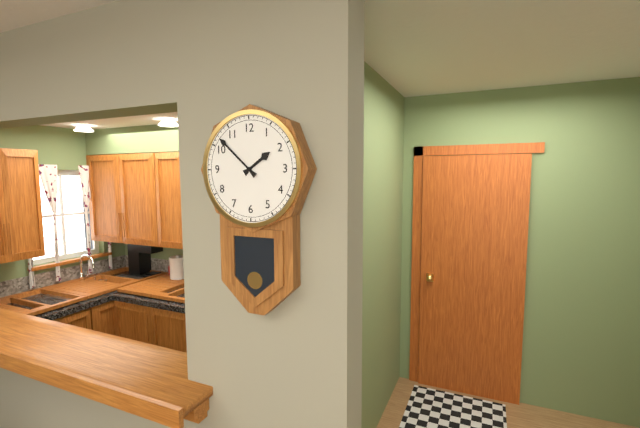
1:52
